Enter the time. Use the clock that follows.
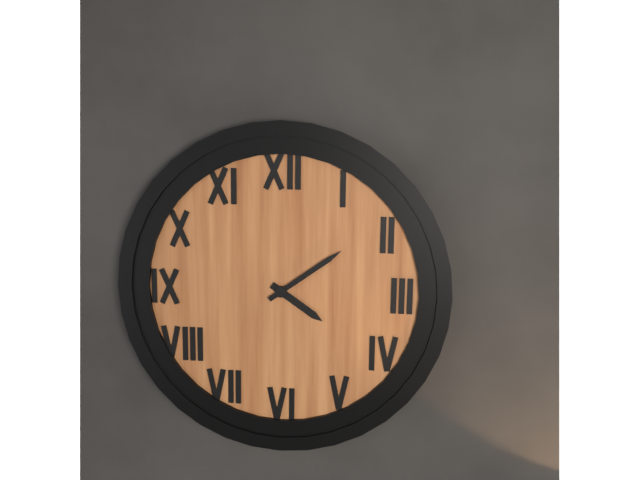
4:09
